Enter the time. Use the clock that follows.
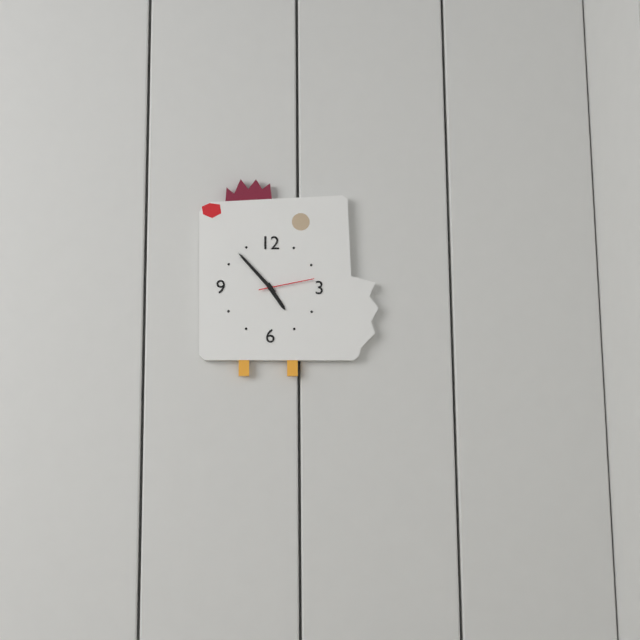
4:53:13
